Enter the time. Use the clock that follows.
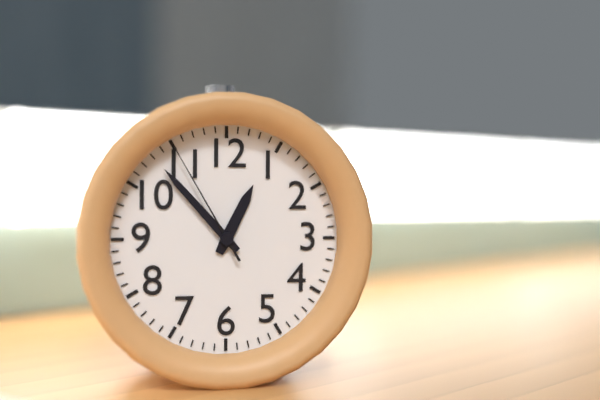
12:53:55
